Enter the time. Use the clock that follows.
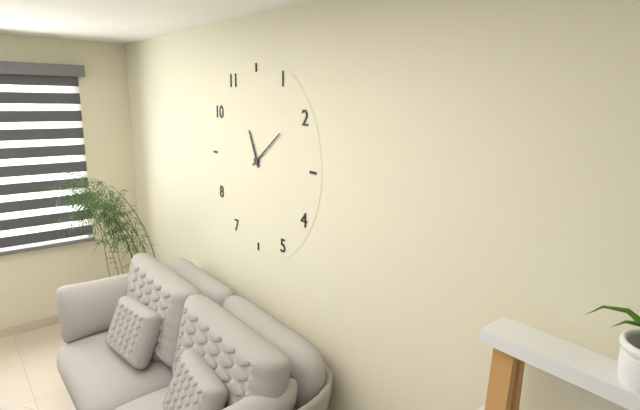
11:09
